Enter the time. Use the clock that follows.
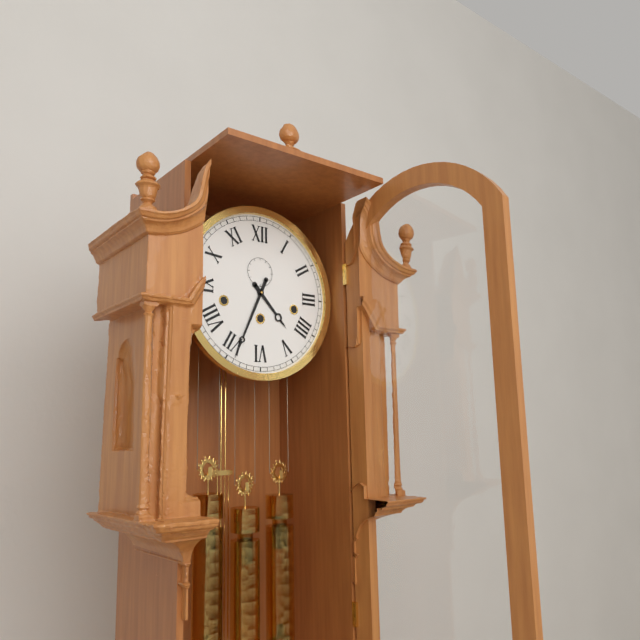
4:34
